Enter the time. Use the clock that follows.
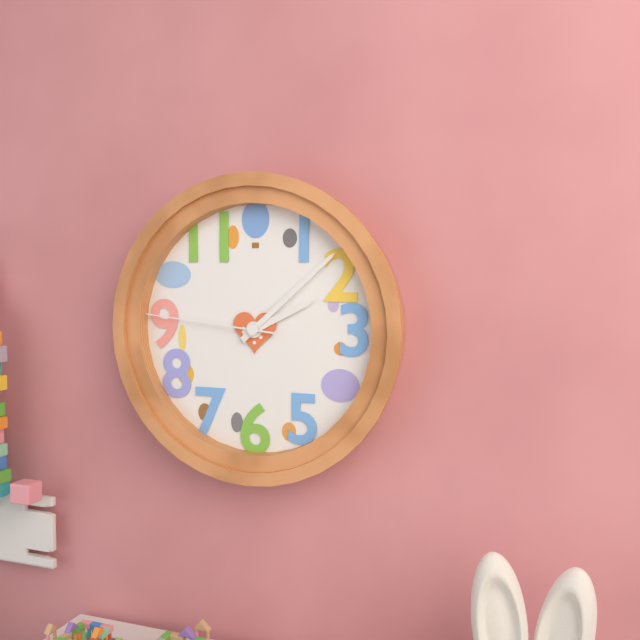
2:08:46
